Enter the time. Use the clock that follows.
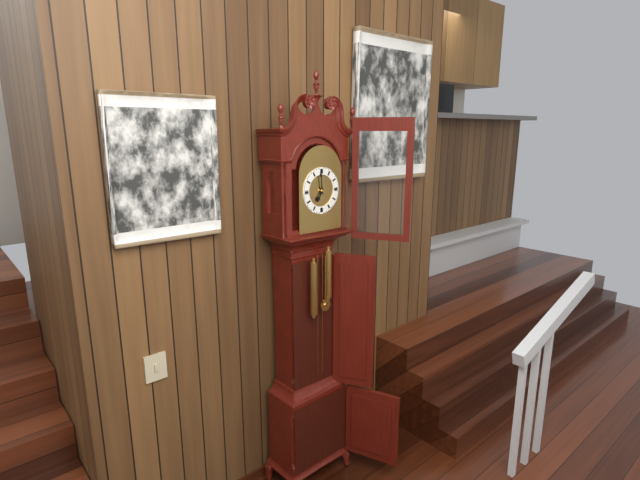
6:59
